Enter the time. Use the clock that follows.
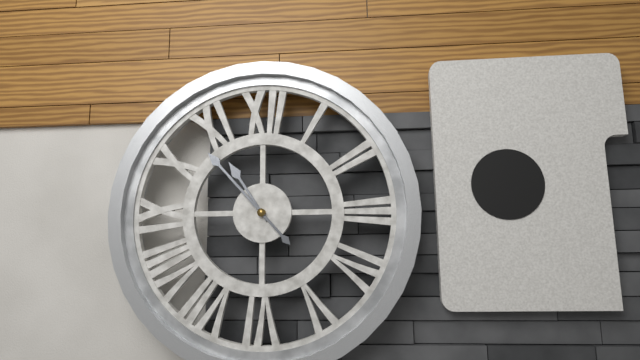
10:53
